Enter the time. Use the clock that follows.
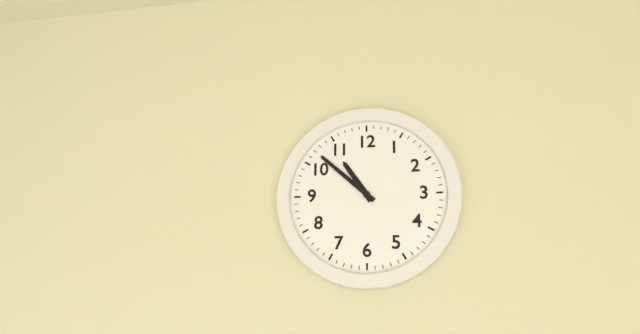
10:52
